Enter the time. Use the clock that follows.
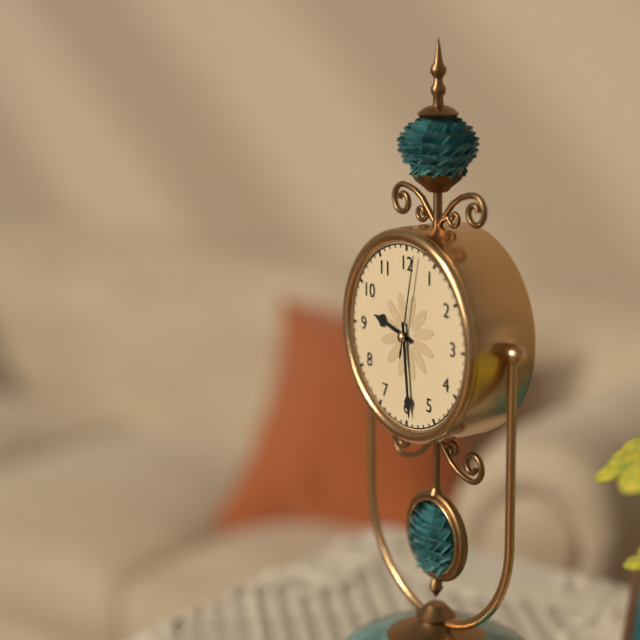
9:29:02
